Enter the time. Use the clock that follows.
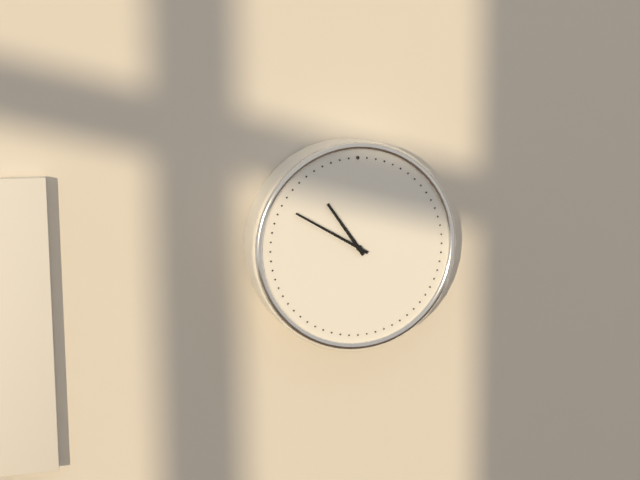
10:50
